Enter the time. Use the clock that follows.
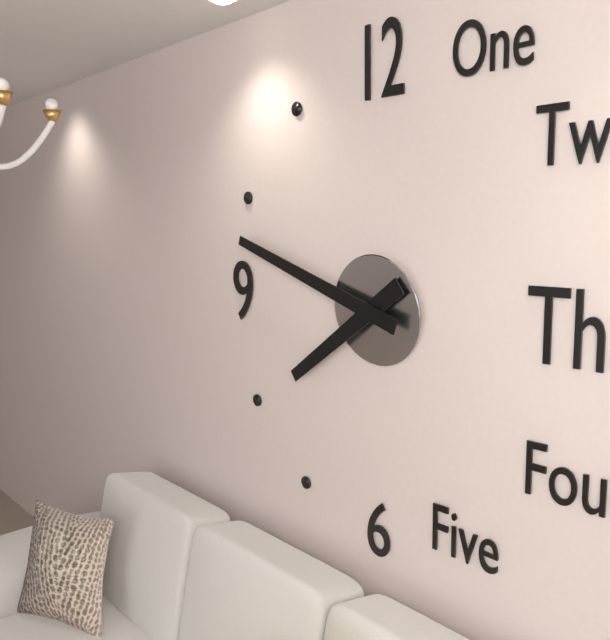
7:48
